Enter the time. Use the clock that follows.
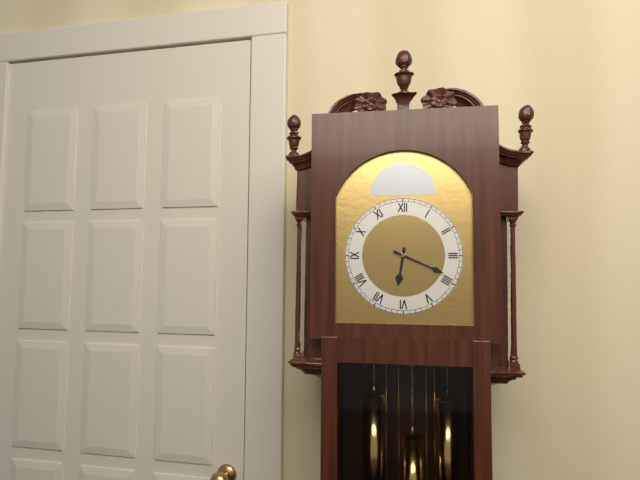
6:19
